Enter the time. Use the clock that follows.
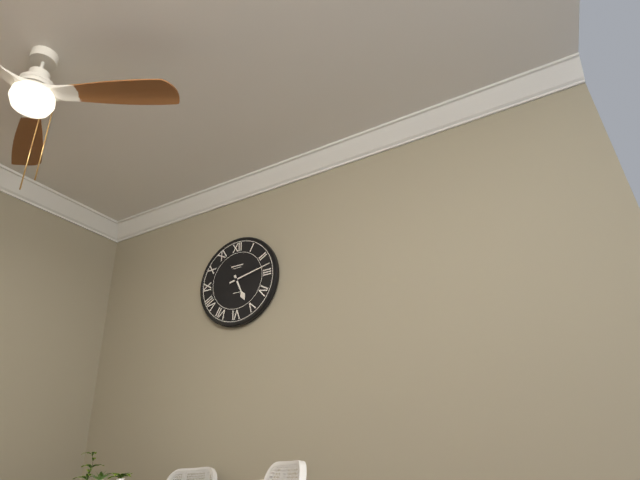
5:13
